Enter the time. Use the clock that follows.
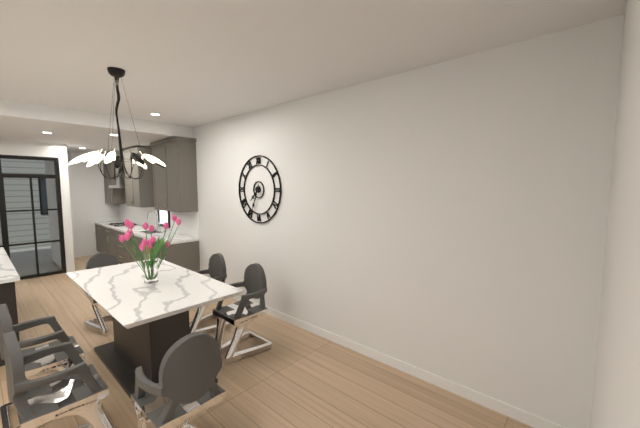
7:34
